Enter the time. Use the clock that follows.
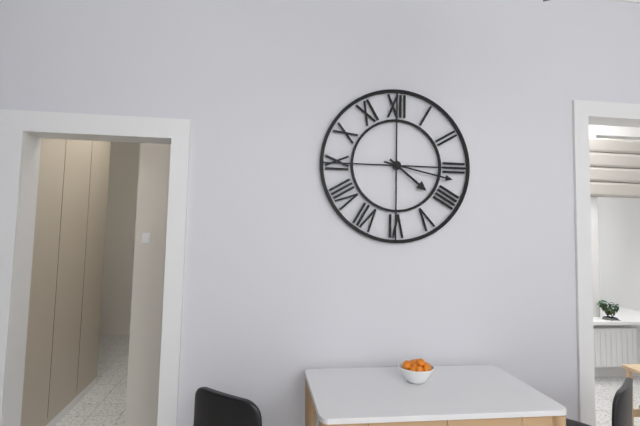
4:17
